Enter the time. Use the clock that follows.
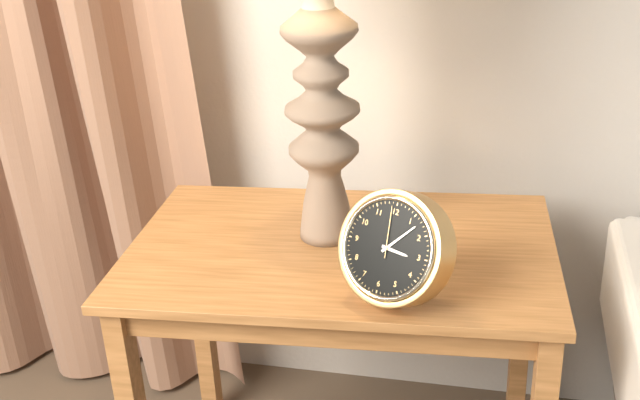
3:07:59
